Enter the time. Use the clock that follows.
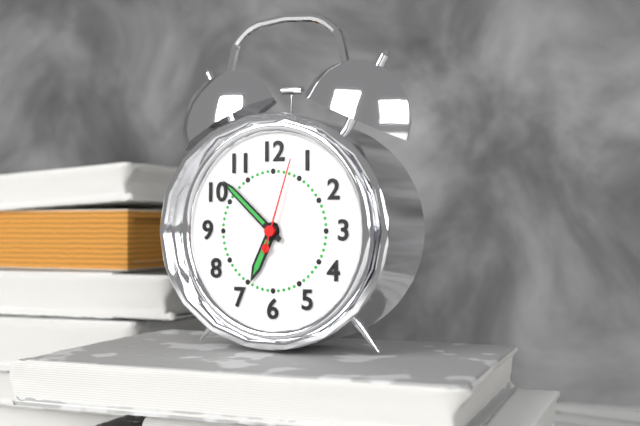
6:52:03
